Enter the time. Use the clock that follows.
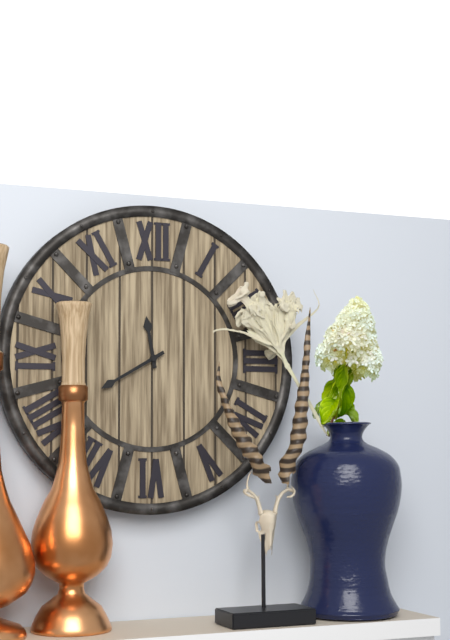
11:40
